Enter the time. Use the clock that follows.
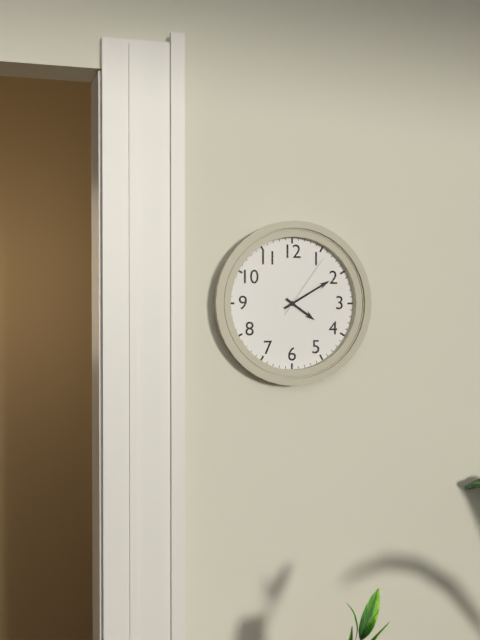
4:10:06
